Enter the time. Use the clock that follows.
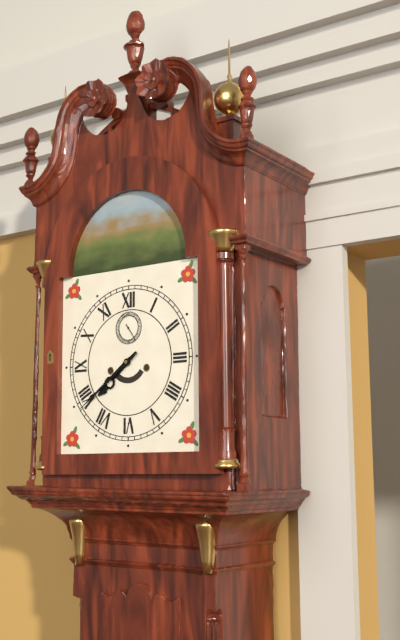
7:39
